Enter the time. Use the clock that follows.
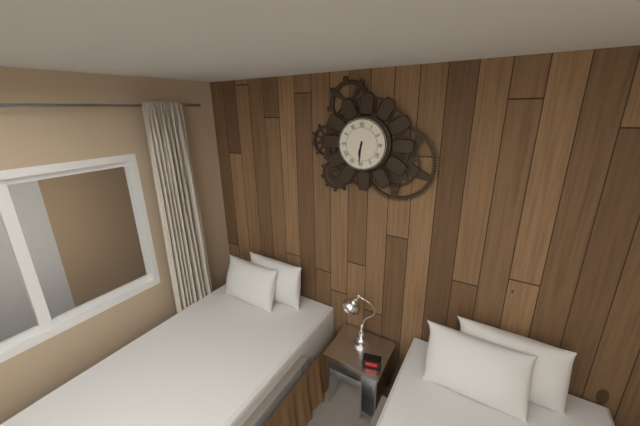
6:31
